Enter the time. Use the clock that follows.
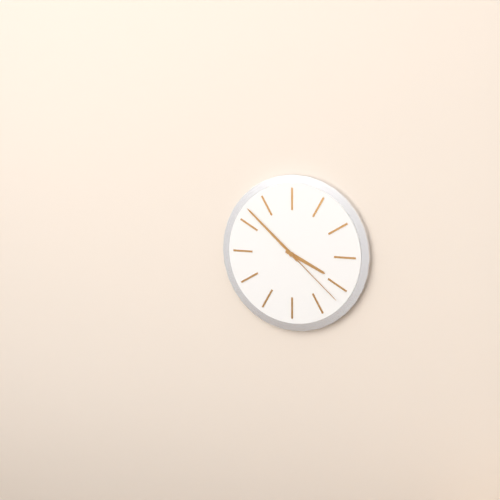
3:52:22
